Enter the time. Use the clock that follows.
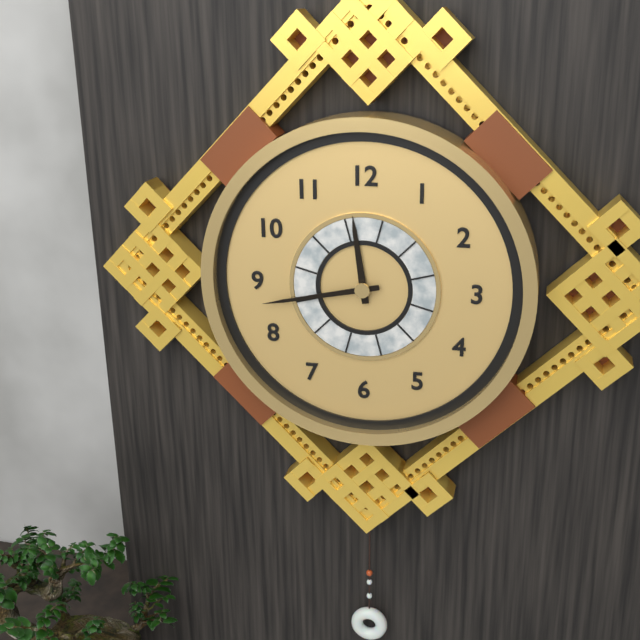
11:43
